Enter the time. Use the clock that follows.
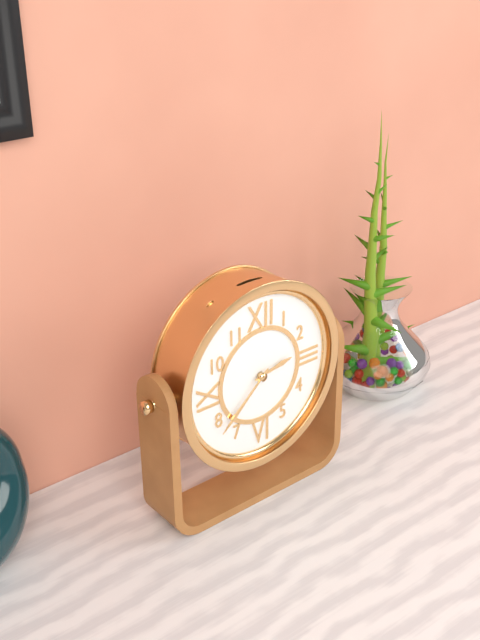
2:38
